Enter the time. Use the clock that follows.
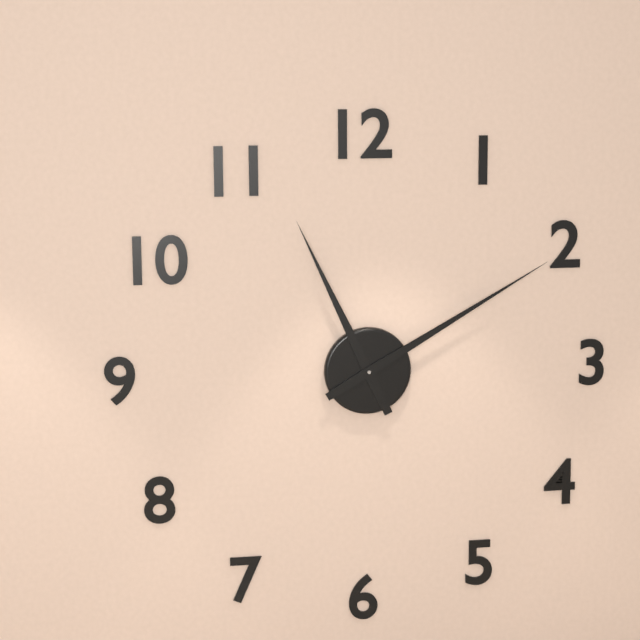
11:10
